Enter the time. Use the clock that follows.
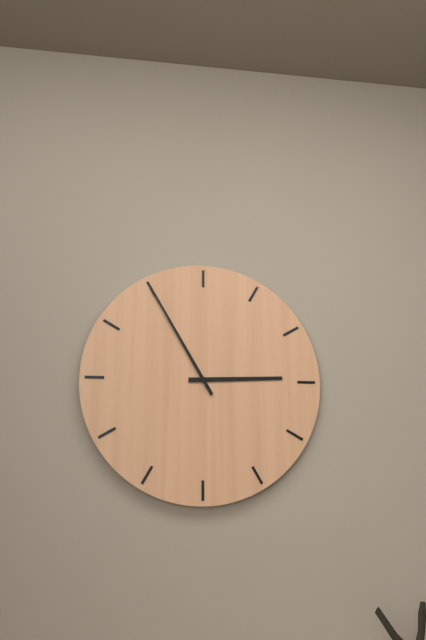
2:55
